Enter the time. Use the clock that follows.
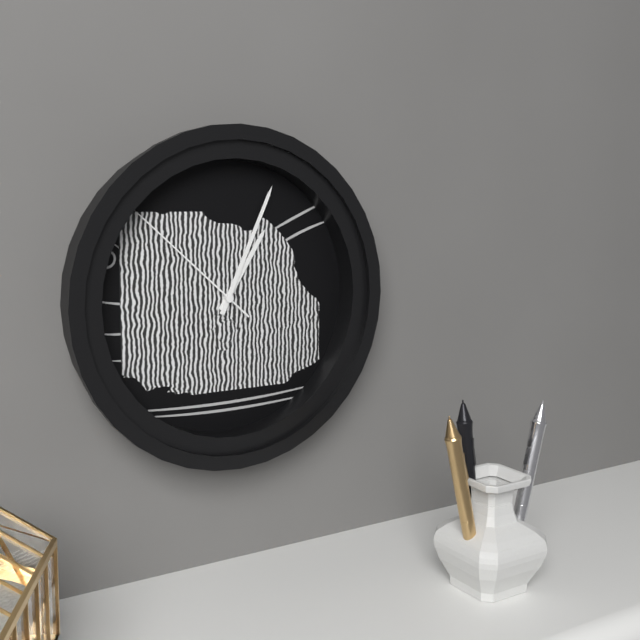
1:04:52
